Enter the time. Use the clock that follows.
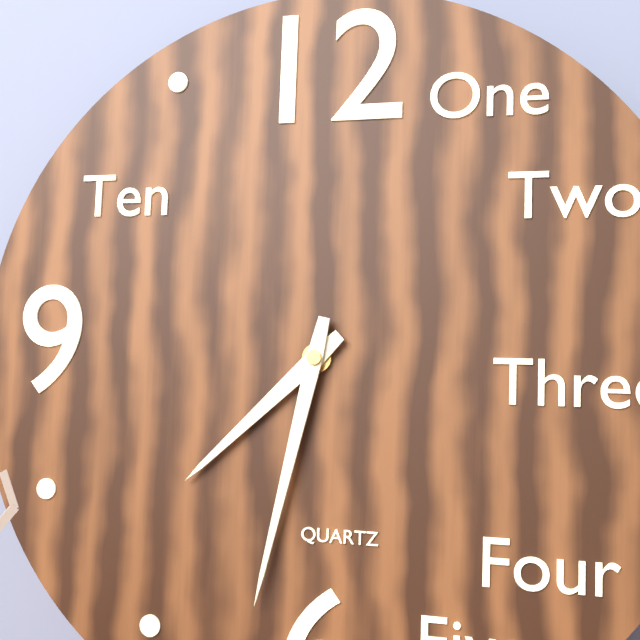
7:32
